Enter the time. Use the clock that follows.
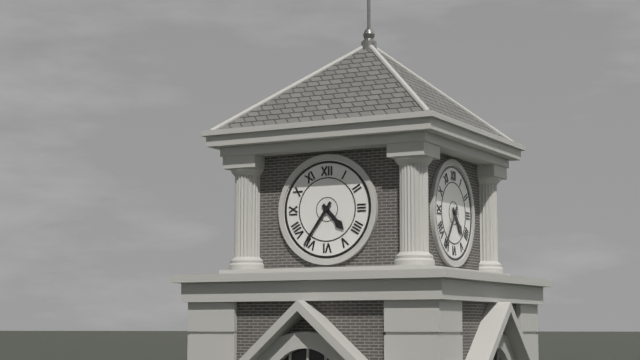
4:36
